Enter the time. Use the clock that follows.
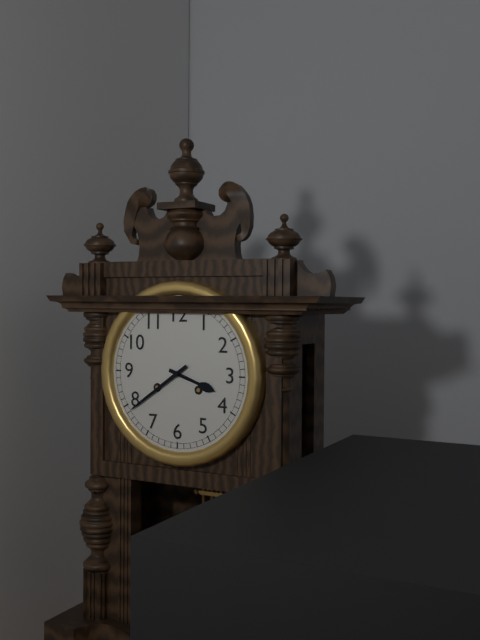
3:39
